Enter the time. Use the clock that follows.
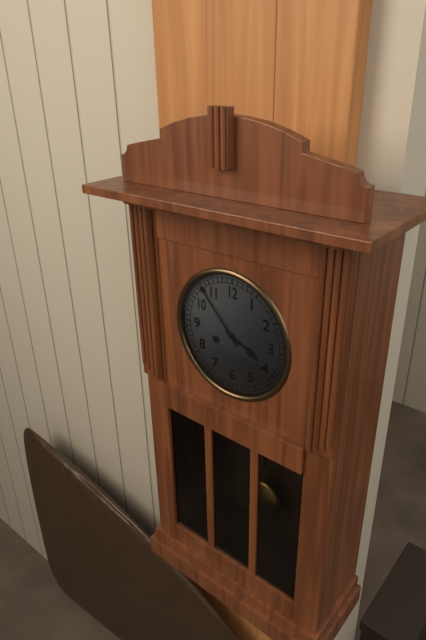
3:53
